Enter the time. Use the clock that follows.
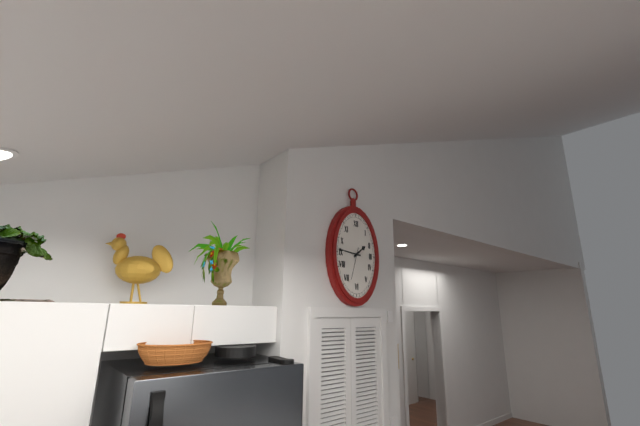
1:46
